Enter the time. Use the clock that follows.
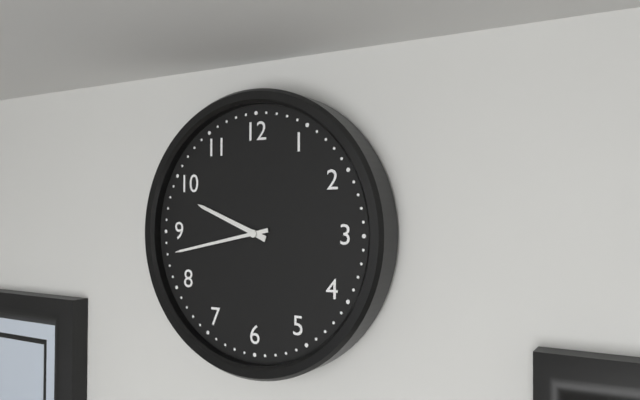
9:43
